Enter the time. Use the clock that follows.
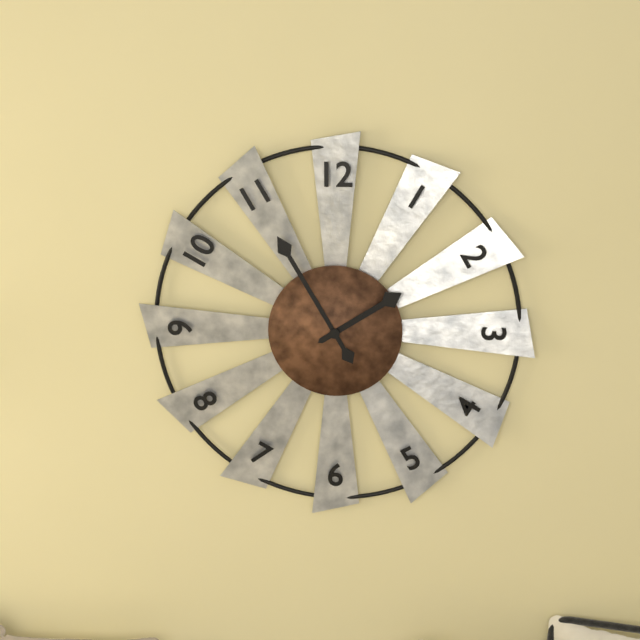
1:55
